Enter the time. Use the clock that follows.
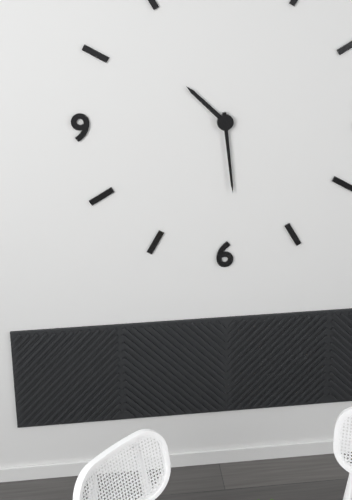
10:29
